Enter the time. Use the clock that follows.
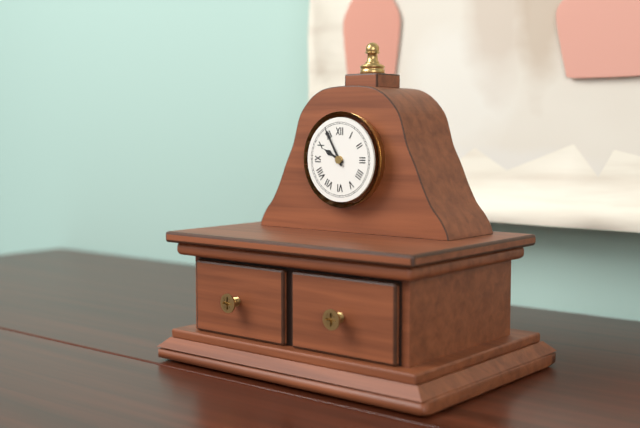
9:55
